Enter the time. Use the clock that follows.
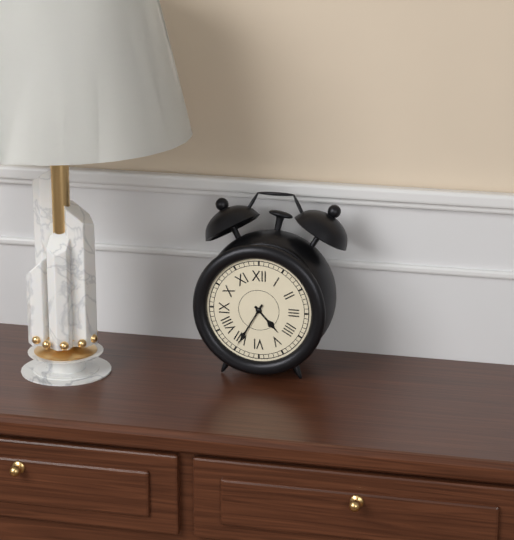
4:35
